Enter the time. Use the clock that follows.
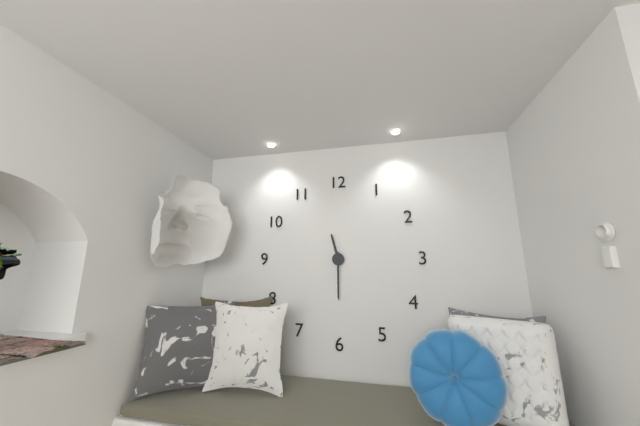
11:30
